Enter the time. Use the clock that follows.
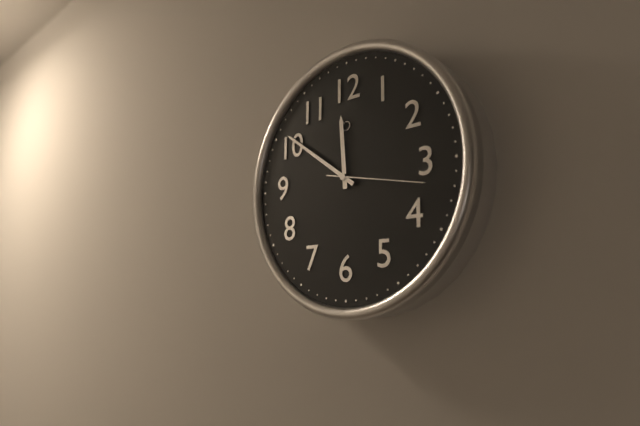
11:51:17
